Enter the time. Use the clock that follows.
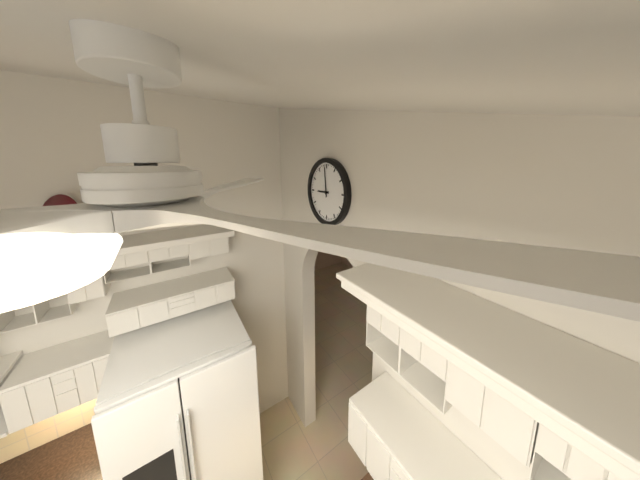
8:59
